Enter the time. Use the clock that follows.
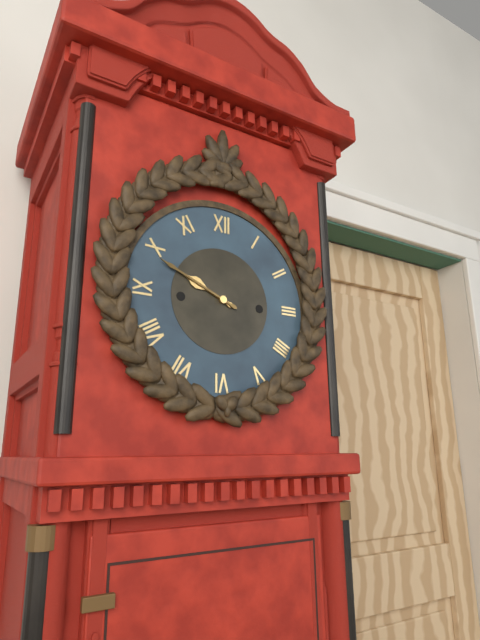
9:49
